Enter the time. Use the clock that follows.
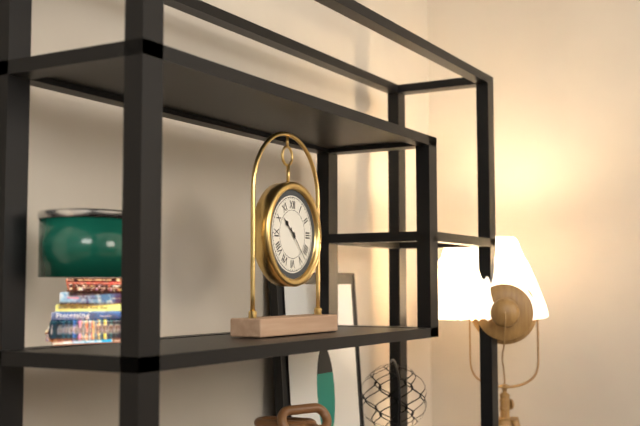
10:23
